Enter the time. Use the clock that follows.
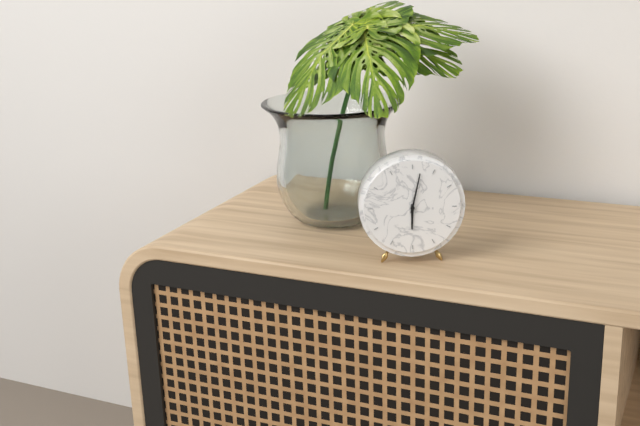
6:02
